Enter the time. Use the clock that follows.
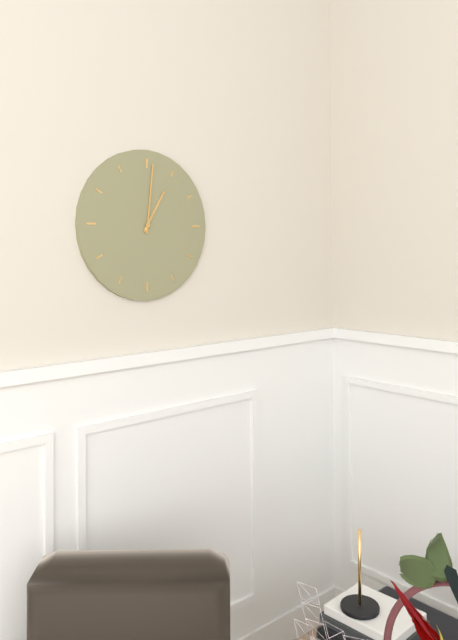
1:01
